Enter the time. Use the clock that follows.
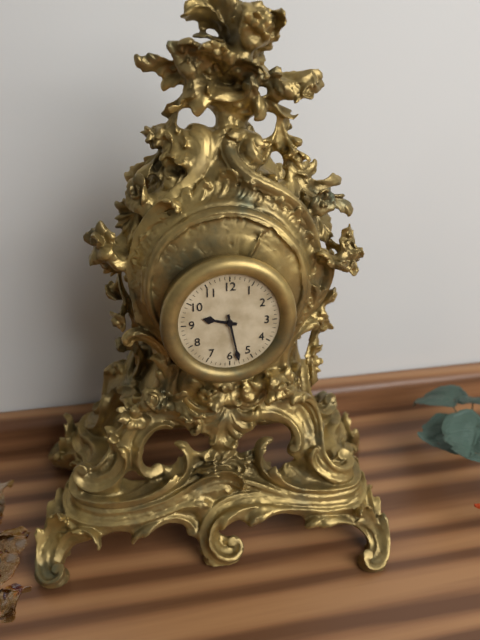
9:28
